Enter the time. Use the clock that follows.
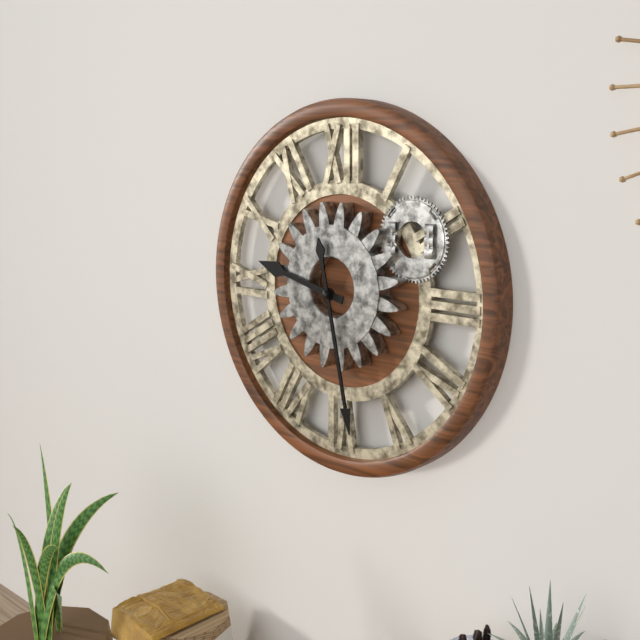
9:28
